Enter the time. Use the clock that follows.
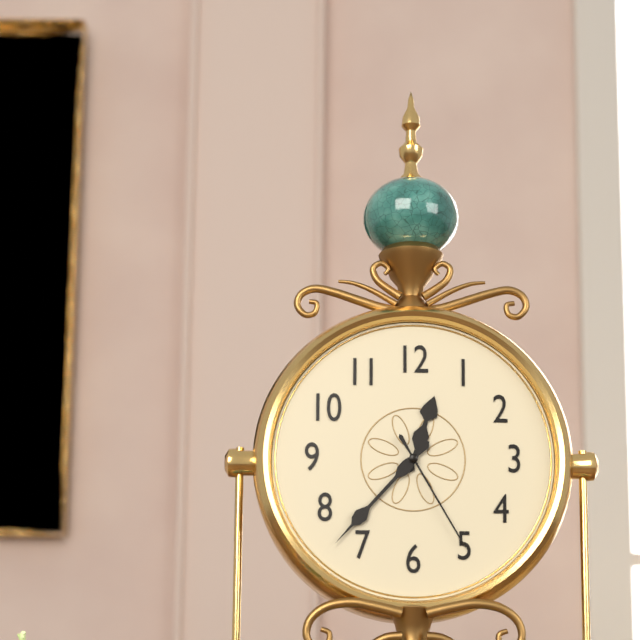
12:37:25
